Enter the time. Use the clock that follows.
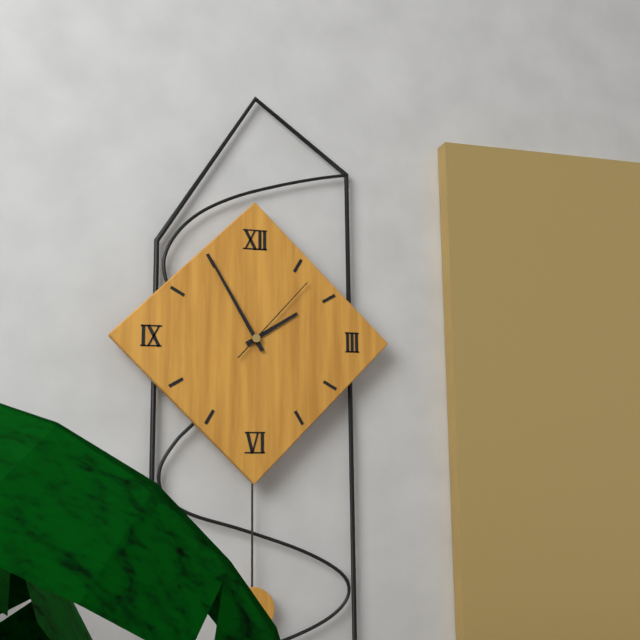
1:55:07
